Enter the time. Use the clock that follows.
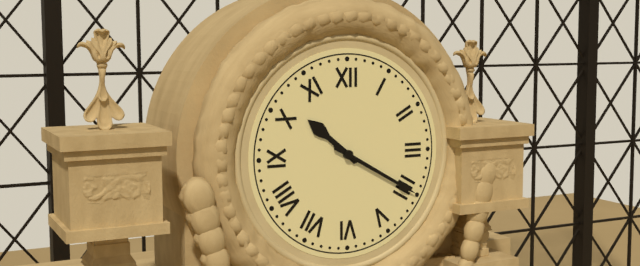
10:20
